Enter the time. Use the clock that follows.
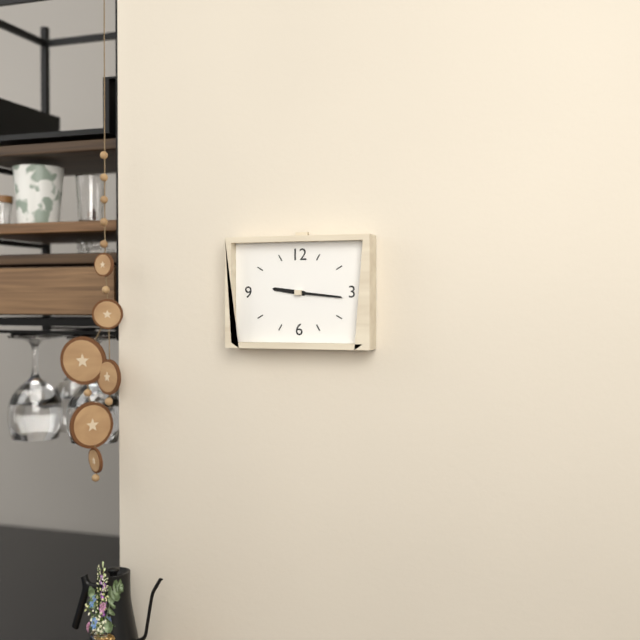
9:16
